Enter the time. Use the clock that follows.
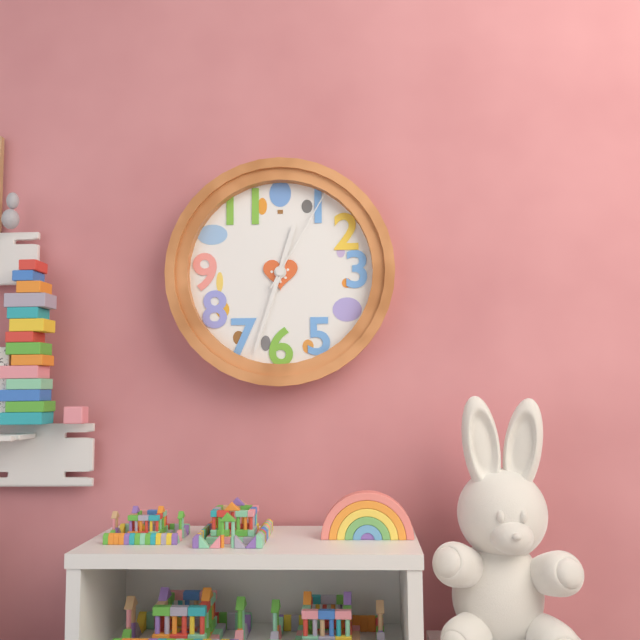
12:33:05
